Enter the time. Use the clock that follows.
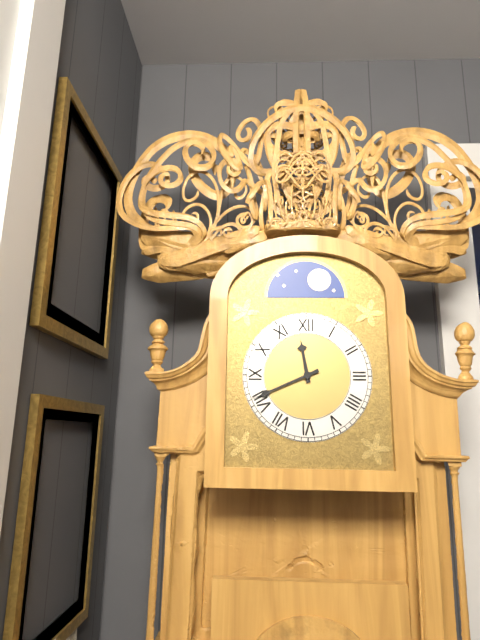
11:41
